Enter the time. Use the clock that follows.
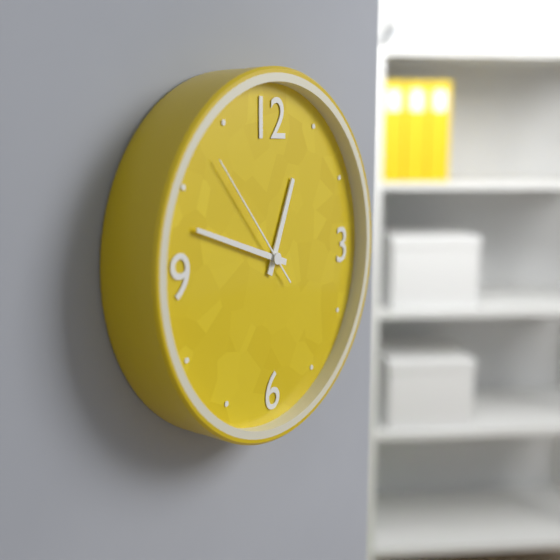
12:48:53
